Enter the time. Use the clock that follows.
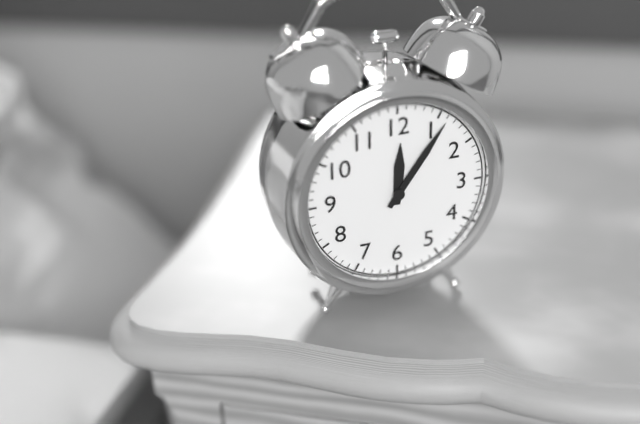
12:06
